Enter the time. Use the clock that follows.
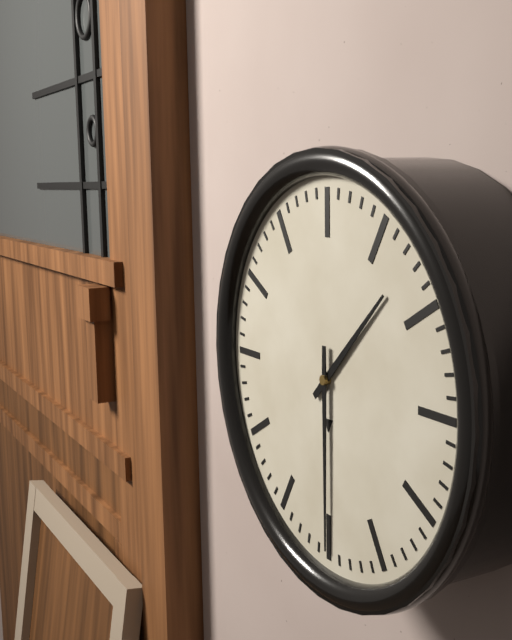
1:30
